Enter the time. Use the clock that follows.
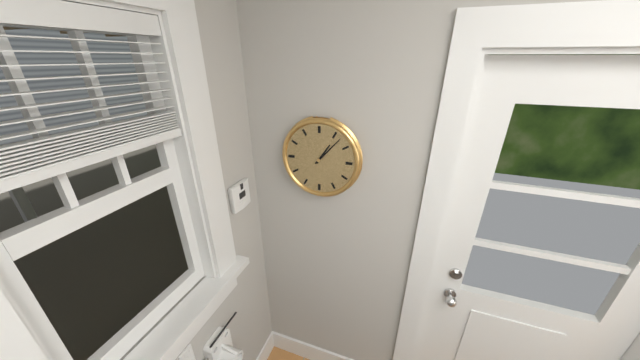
1:07
